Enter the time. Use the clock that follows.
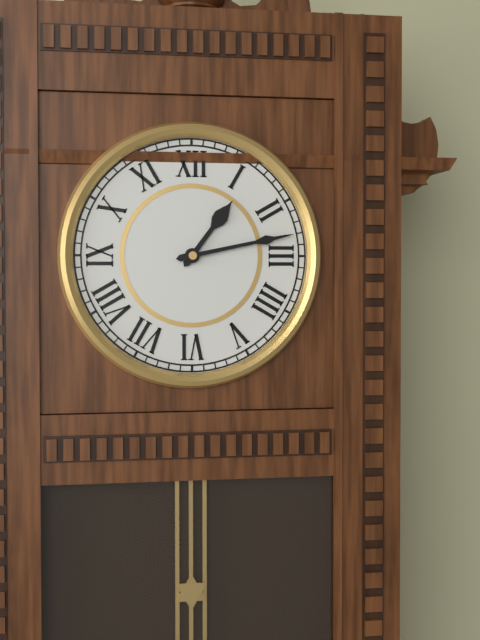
1:13
